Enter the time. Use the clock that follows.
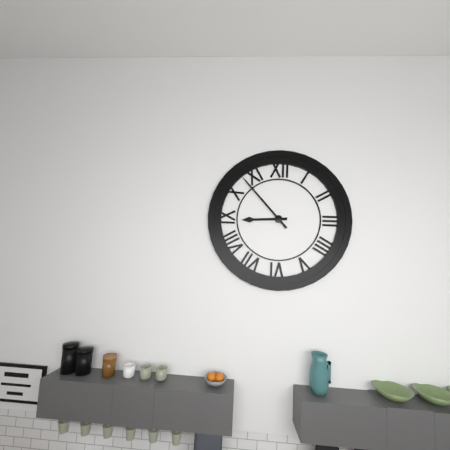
8:53
